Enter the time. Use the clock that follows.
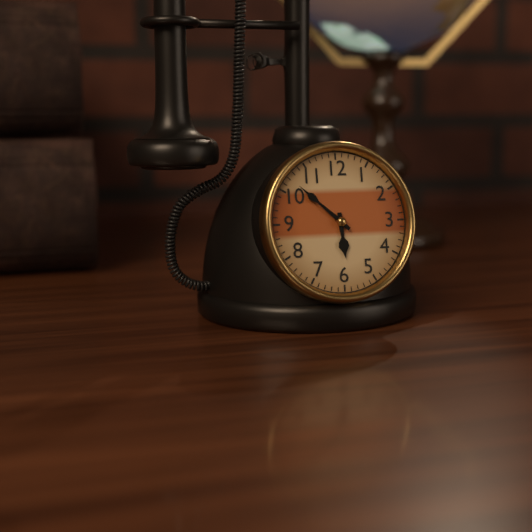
5:52
